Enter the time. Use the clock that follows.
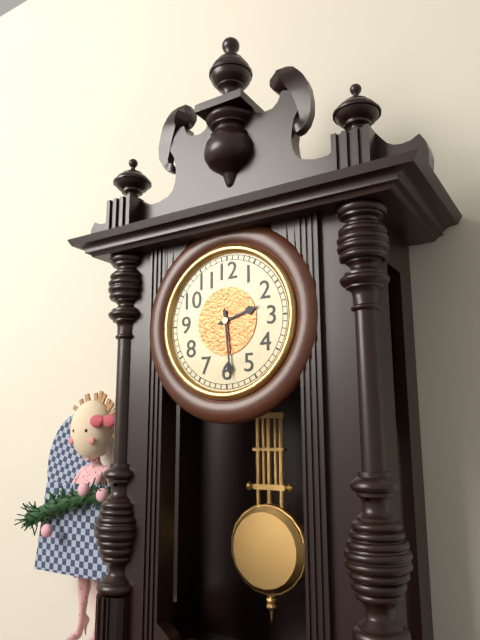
2:29
